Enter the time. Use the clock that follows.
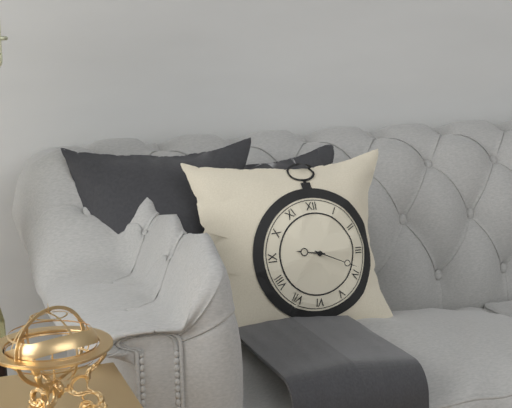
9:19
